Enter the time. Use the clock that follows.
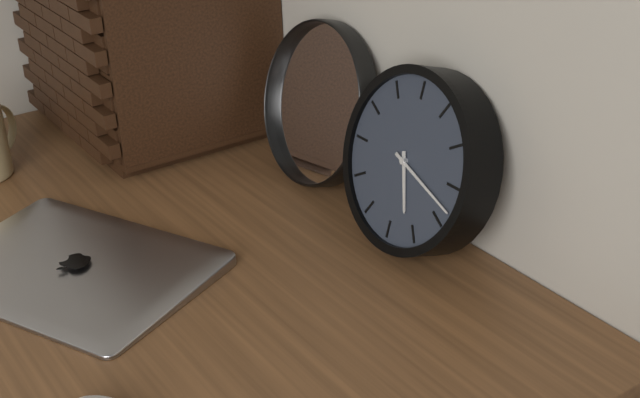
5:18
